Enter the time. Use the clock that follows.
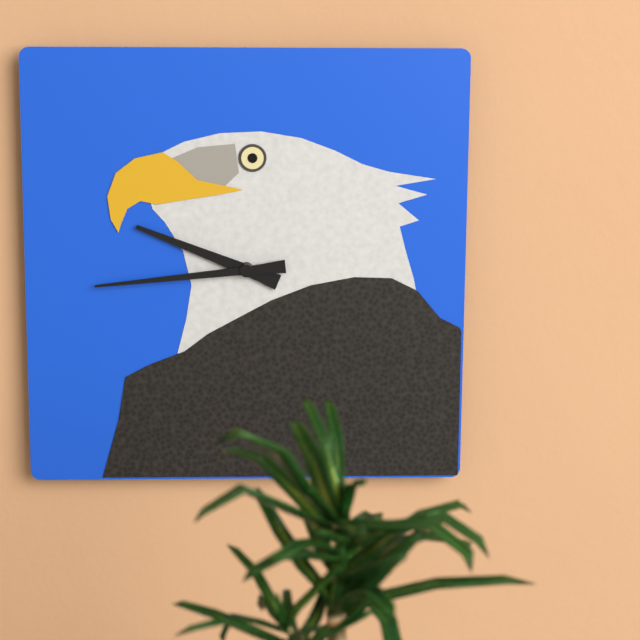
9:44
